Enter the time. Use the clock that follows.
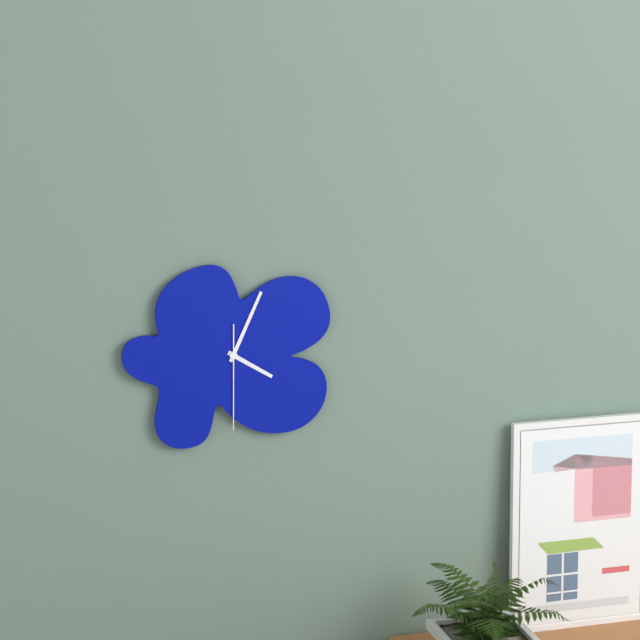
4:04:30
